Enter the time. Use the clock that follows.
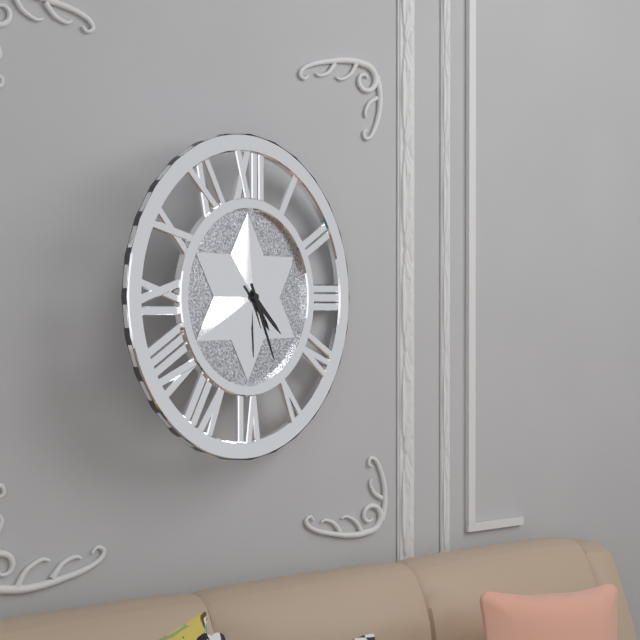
4:26
